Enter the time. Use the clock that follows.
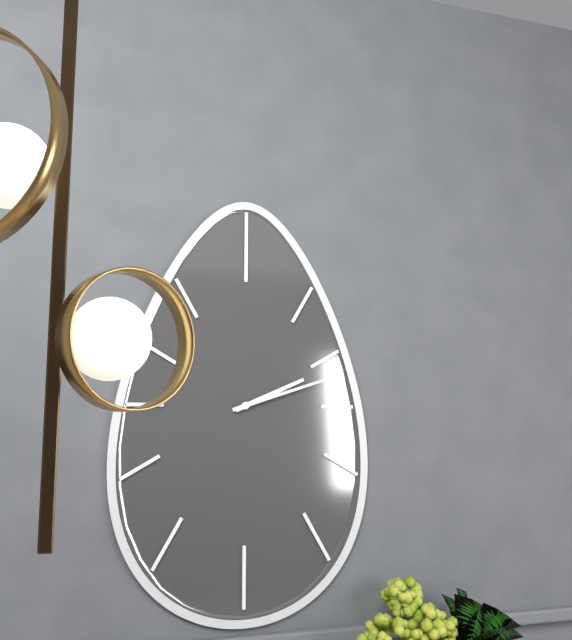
2:12
